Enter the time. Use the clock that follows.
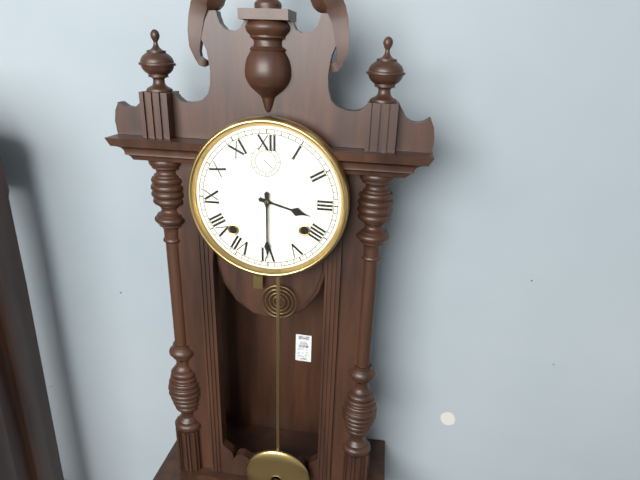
3:30
